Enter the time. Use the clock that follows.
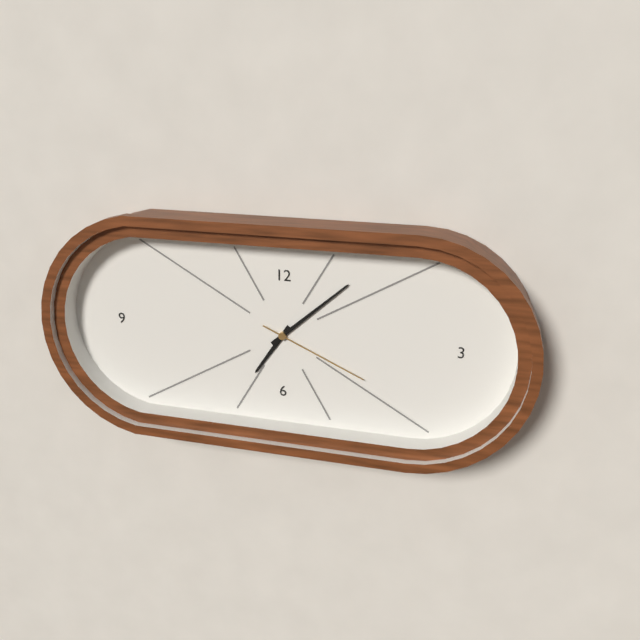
7:08:19
